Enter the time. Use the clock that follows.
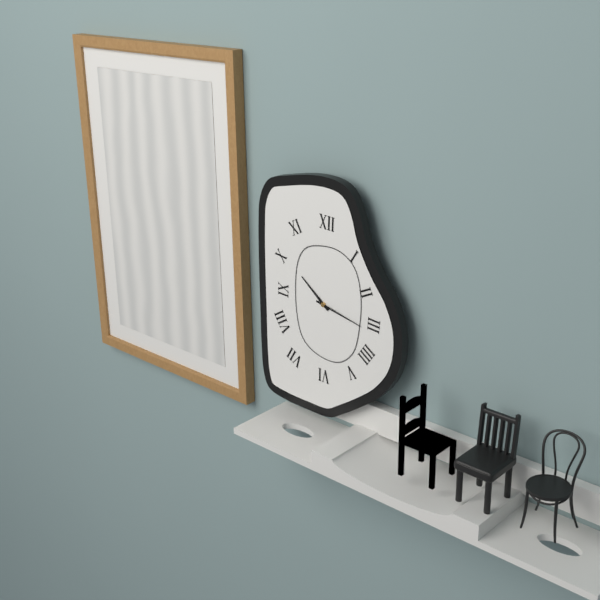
10:17
